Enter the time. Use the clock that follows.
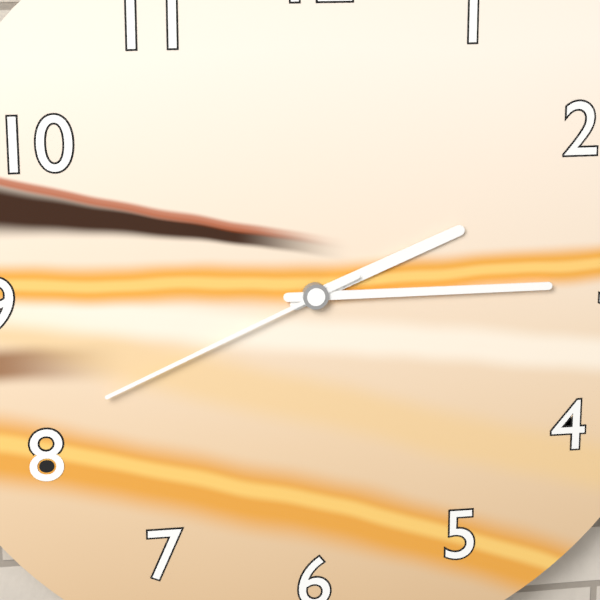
2:15:41
